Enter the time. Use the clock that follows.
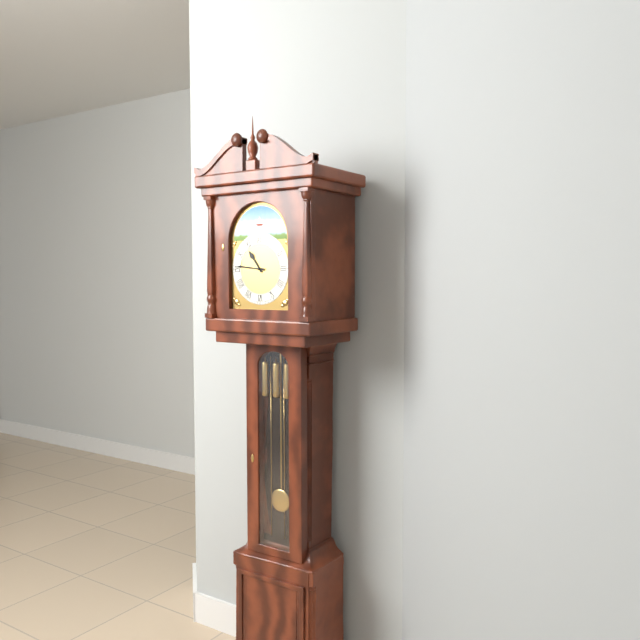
10:46
